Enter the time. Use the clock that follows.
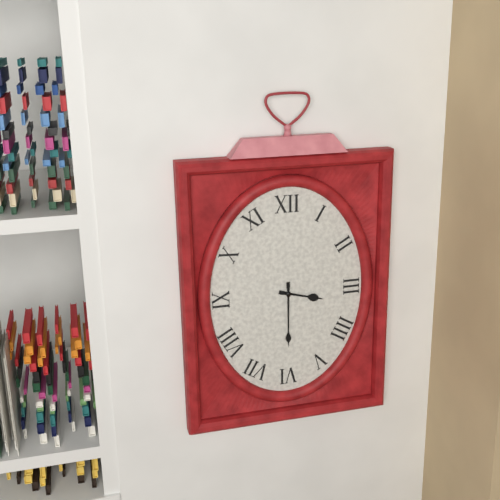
3:30
